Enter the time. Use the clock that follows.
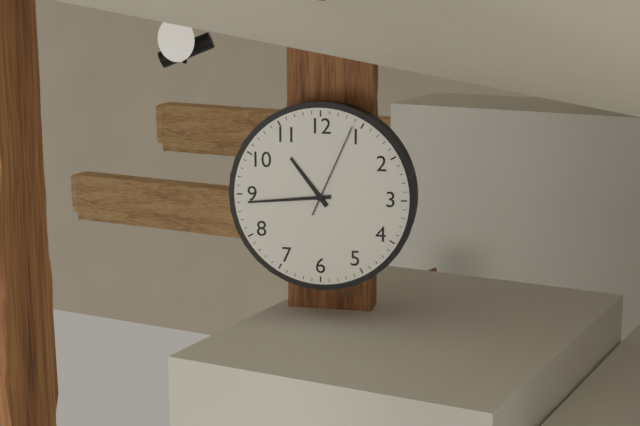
10:44:04
